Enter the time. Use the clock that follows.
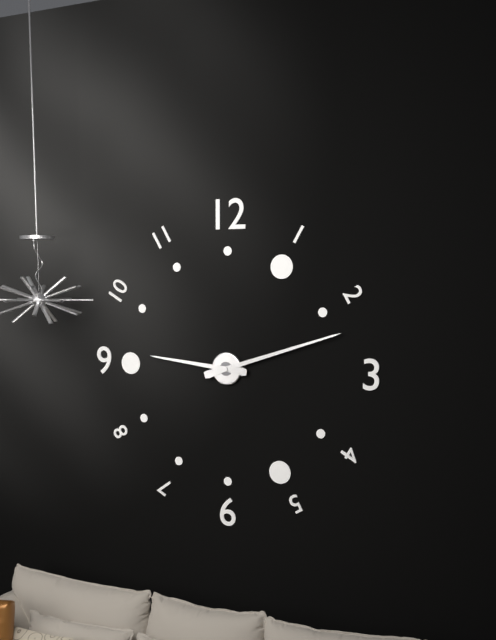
9:12
